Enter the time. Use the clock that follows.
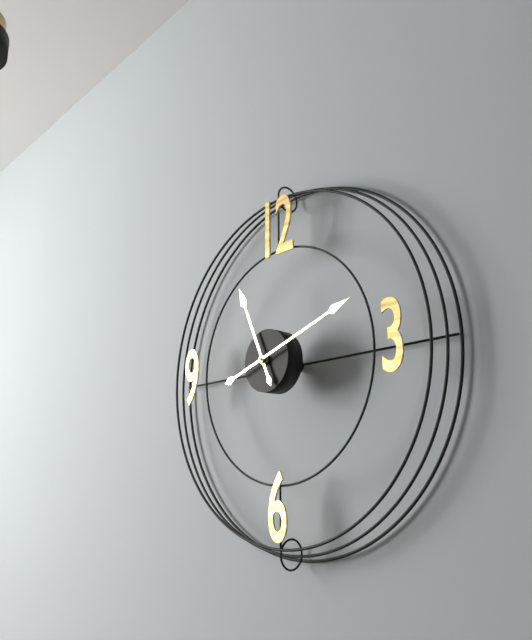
11:12
